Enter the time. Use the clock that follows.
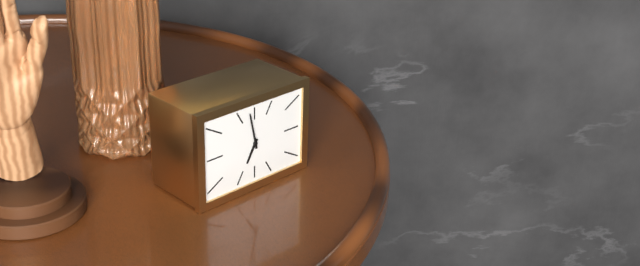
6:58
